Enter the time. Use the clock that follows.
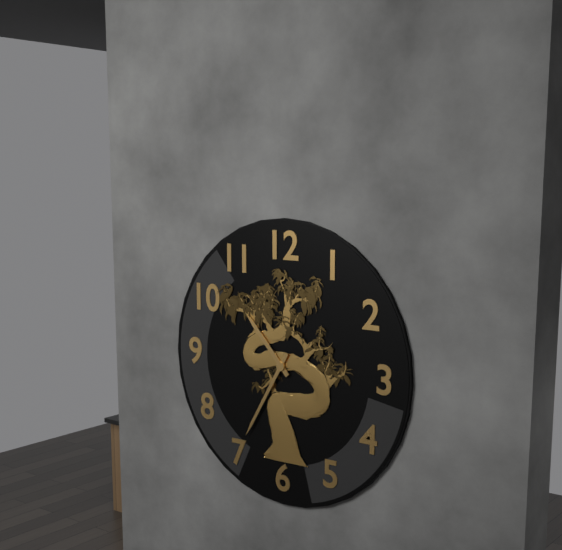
10:35
